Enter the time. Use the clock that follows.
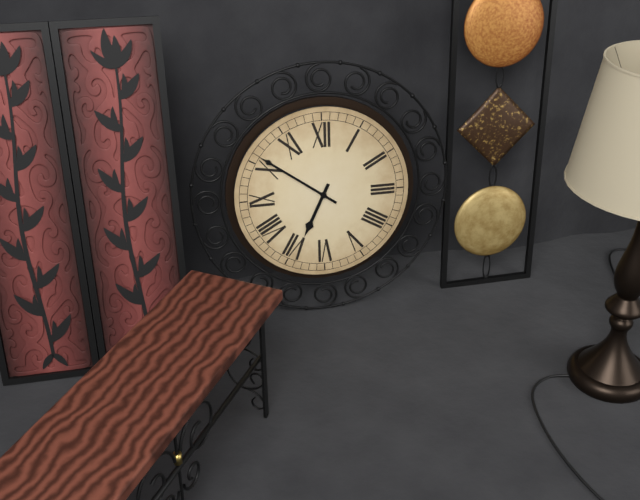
6:51
